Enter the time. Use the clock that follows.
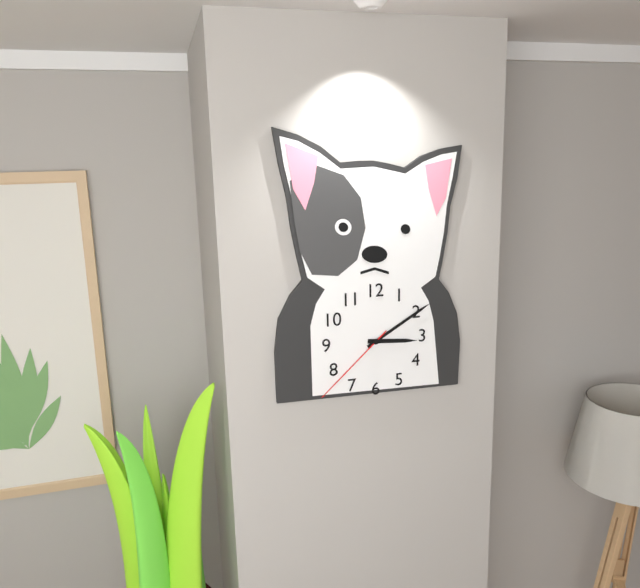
3:10:38
